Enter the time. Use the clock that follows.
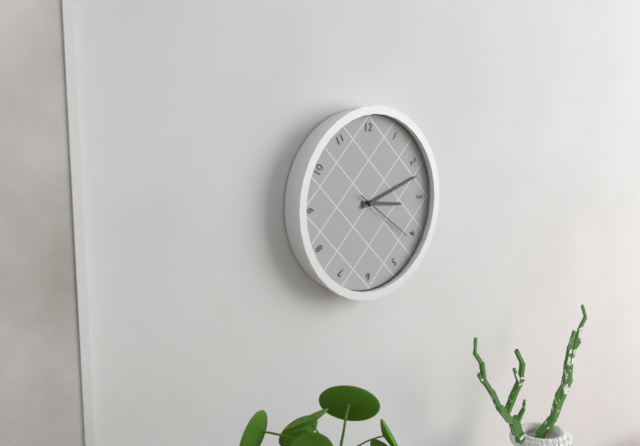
3:12:21
